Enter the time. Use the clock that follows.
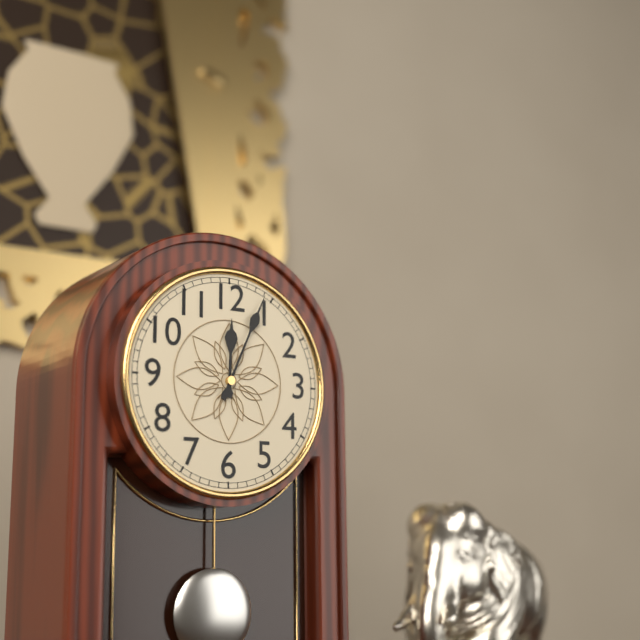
12:04
